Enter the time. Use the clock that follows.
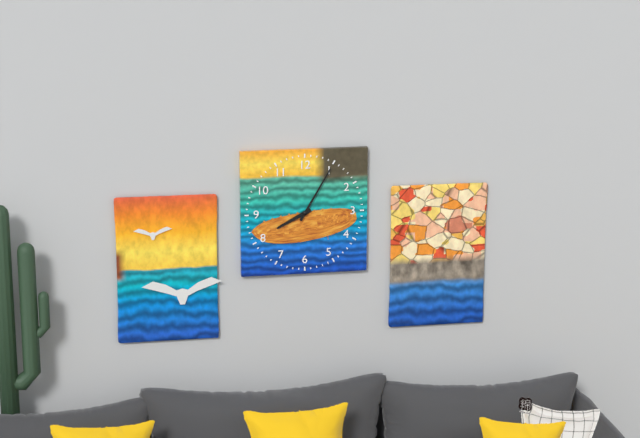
8:05
